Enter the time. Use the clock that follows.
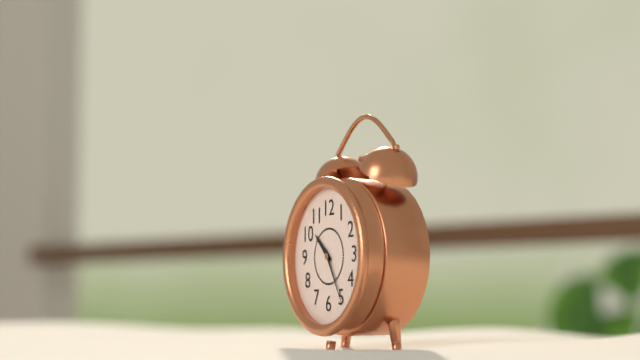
10:25
